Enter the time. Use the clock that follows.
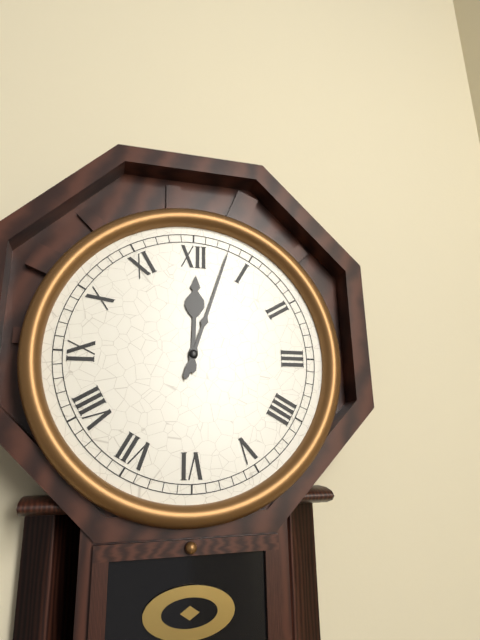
12:03
